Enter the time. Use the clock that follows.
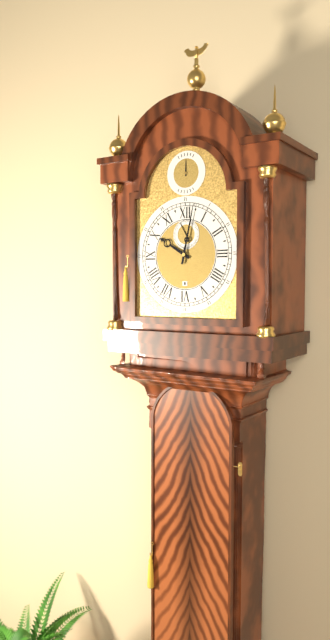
10:02
